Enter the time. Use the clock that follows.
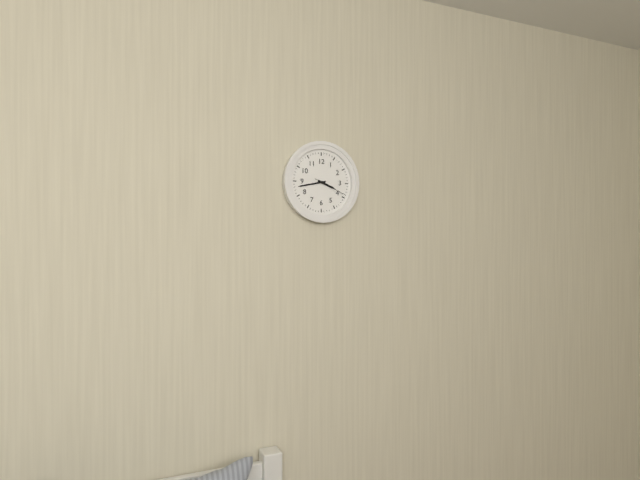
3:43
